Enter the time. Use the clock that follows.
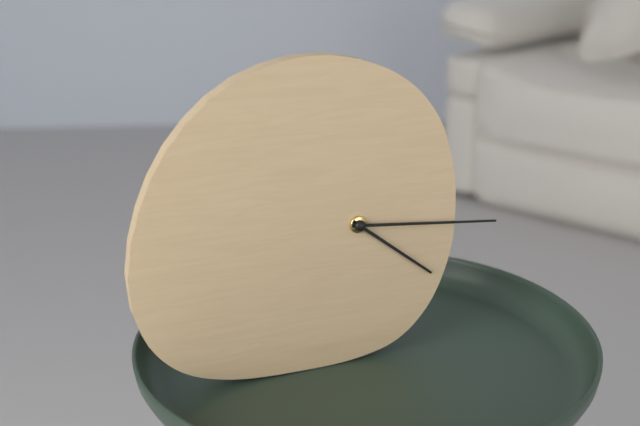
4:16
